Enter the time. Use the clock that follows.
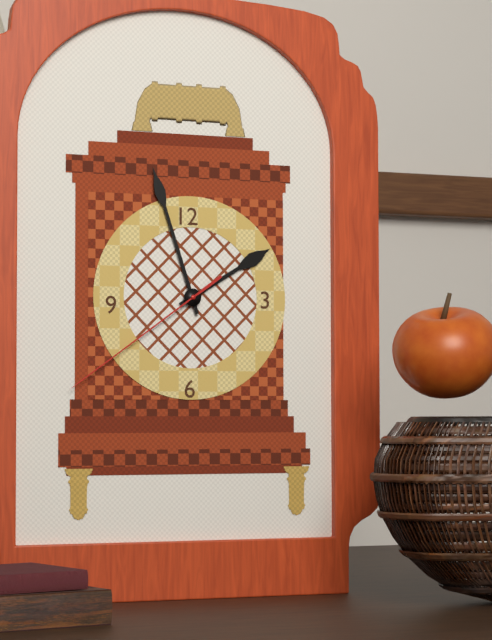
1:57:39
